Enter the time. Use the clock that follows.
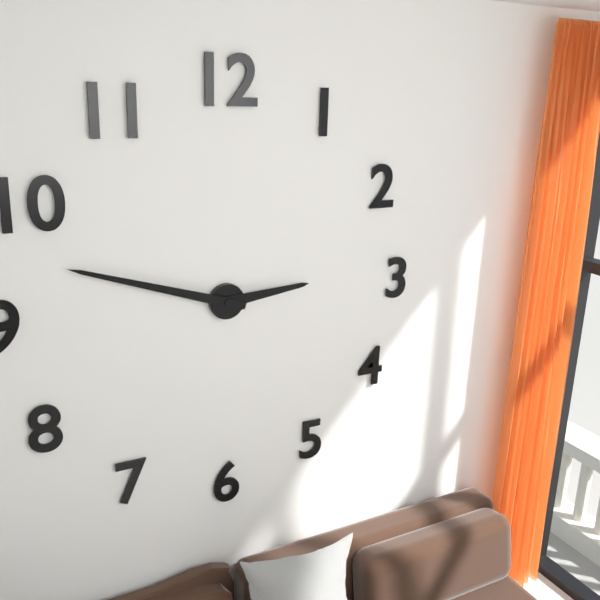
2:48
